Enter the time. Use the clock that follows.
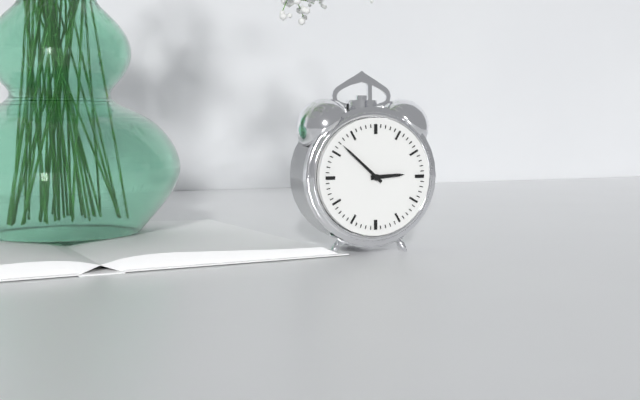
2:52
